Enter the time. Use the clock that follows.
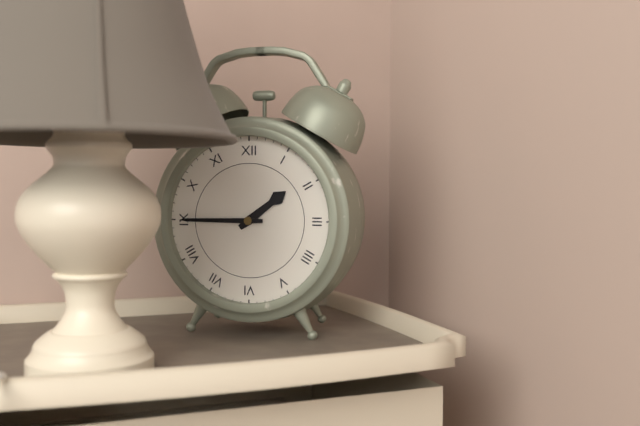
1:45
